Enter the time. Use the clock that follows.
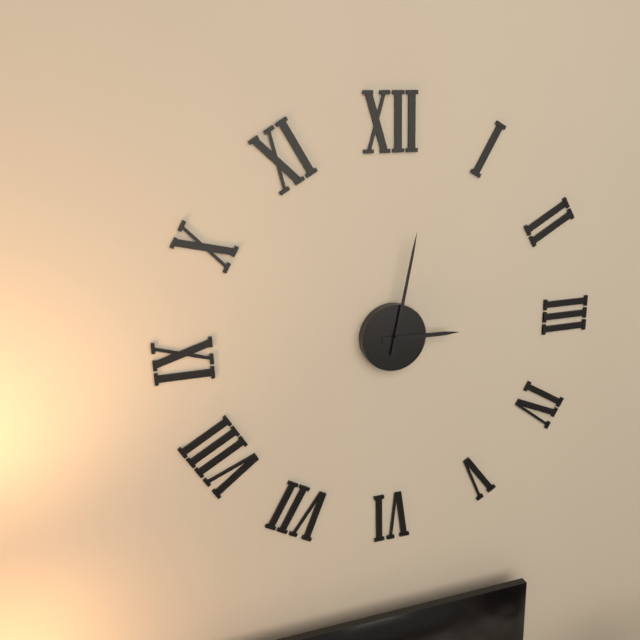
3:02
